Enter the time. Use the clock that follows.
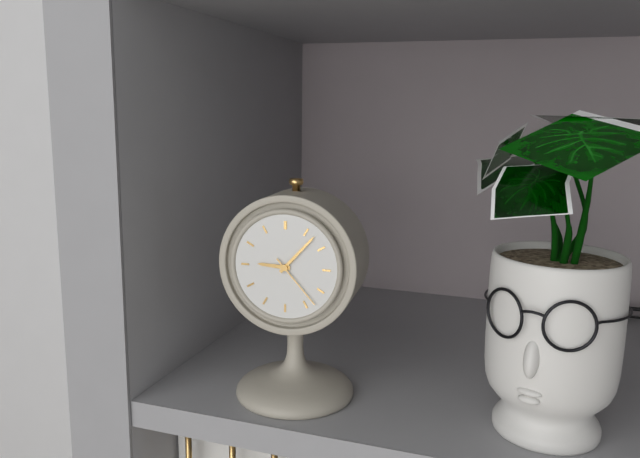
9:07:23
